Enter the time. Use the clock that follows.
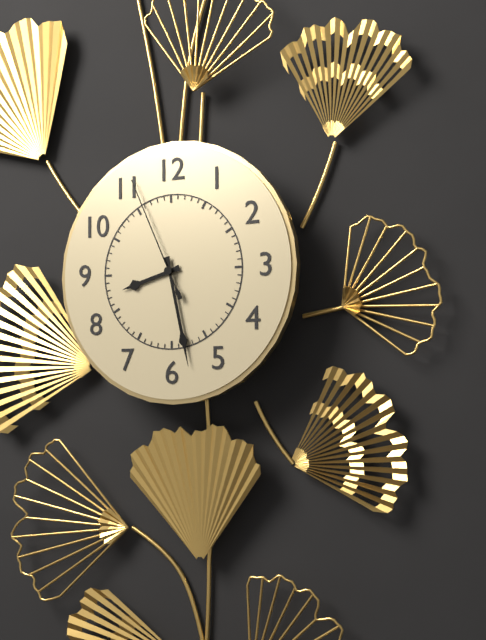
8:28:56
